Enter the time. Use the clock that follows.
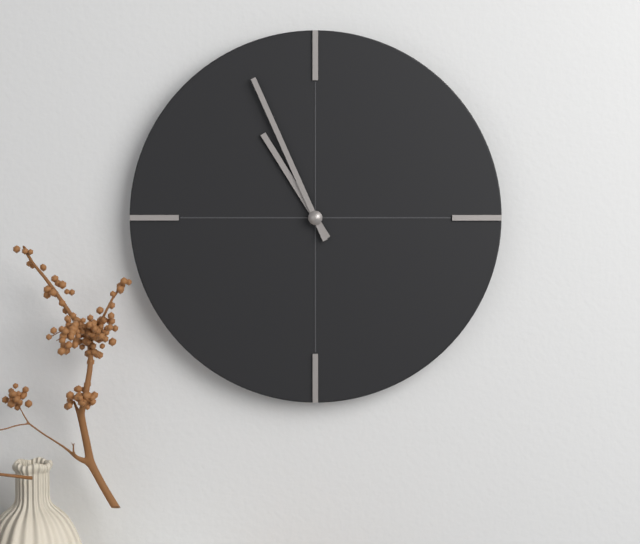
10:56
